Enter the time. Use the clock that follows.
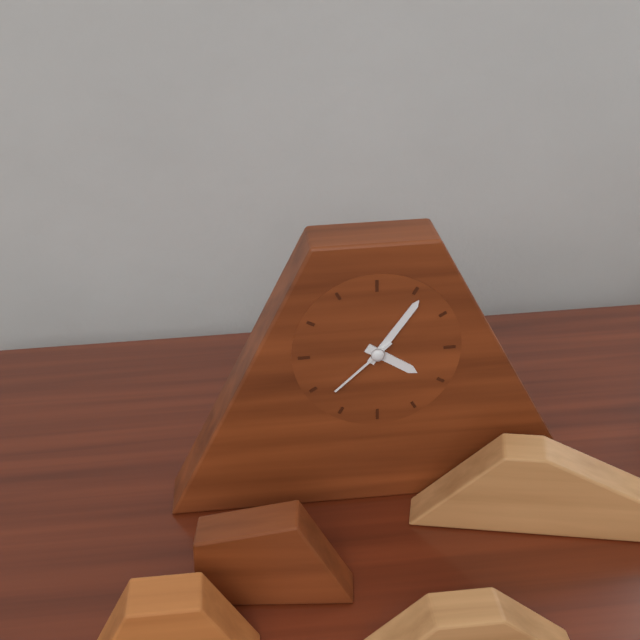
4:06:38
